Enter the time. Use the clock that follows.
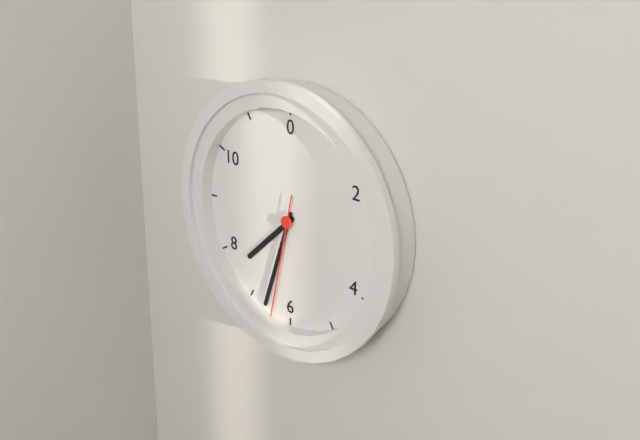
7:33:32
